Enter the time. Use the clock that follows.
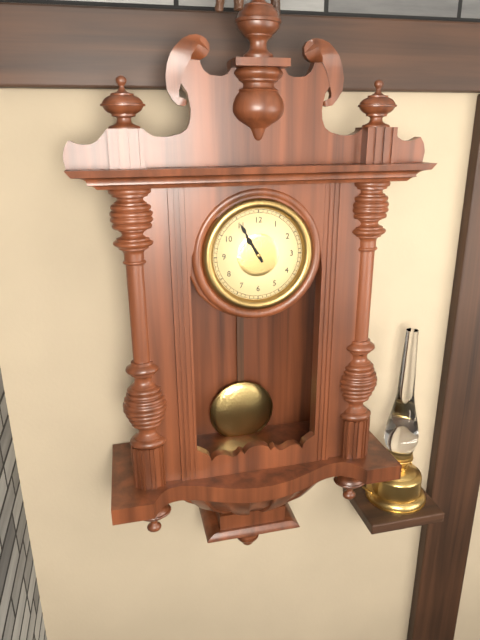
10:55
